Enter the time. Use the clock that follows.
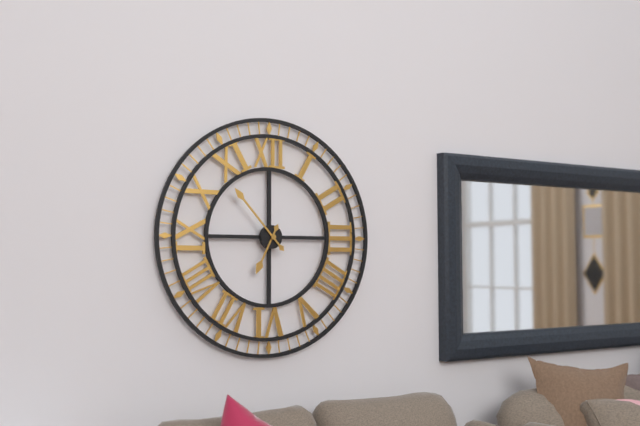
6:53
